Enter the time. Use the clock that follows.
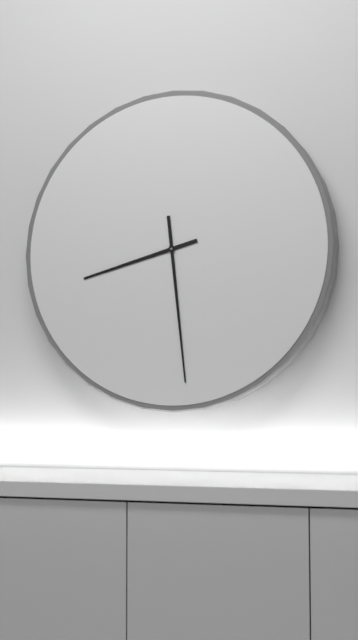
8:29
